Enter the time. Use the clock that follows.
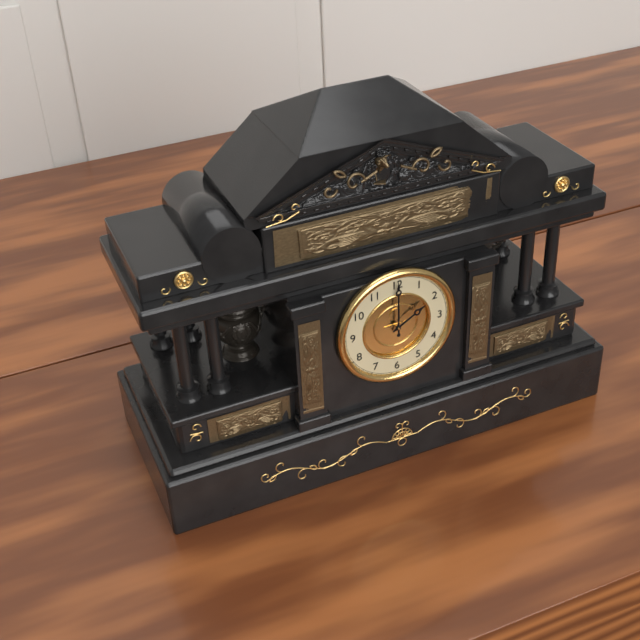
2:00
